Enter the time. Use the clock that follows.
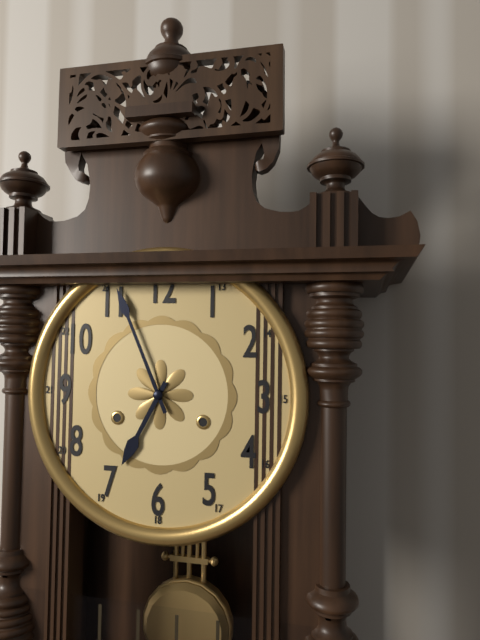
6:56
